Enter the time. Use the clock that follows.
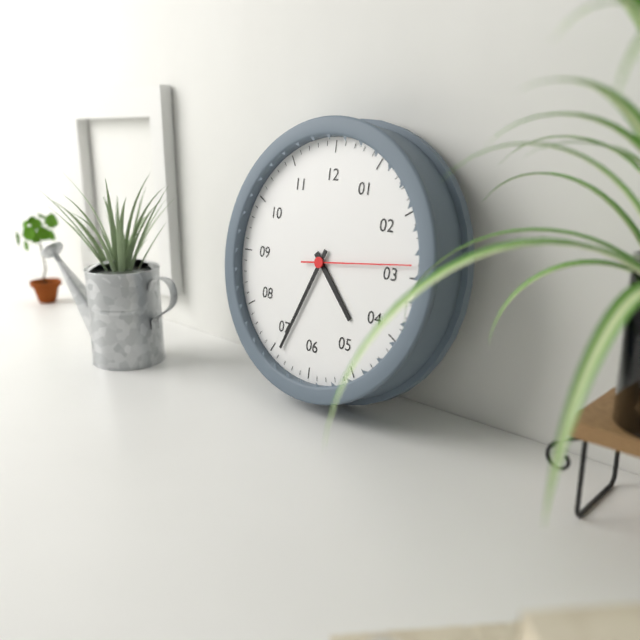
4:34:14
